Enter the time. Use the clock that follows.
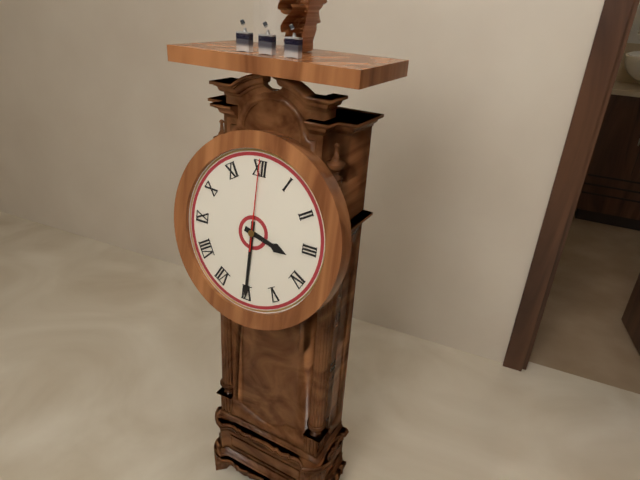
3:30:00
